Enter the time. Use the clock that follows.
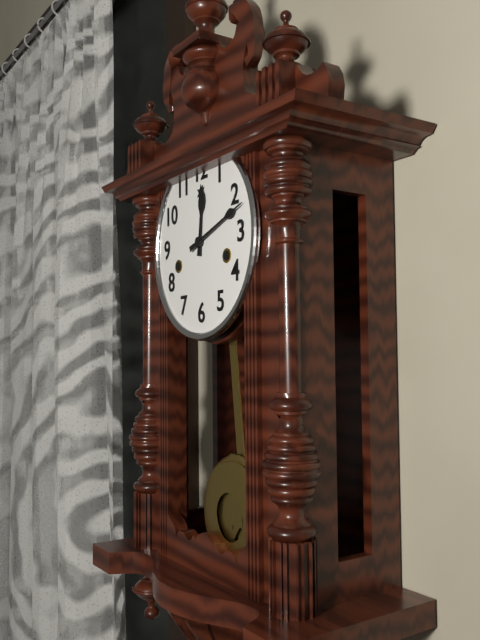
12:12
